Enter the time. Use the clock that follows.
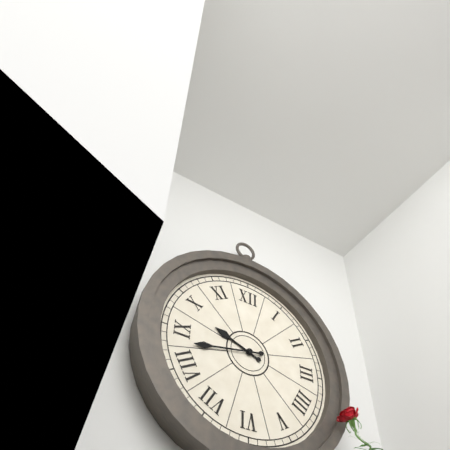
9:43
